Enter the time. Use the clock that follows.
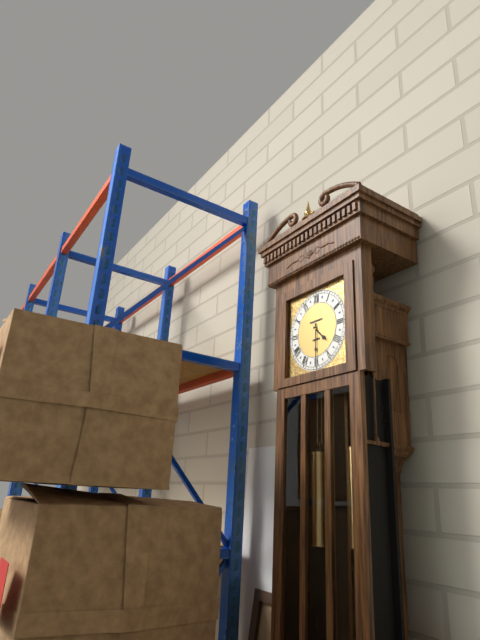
4:30
